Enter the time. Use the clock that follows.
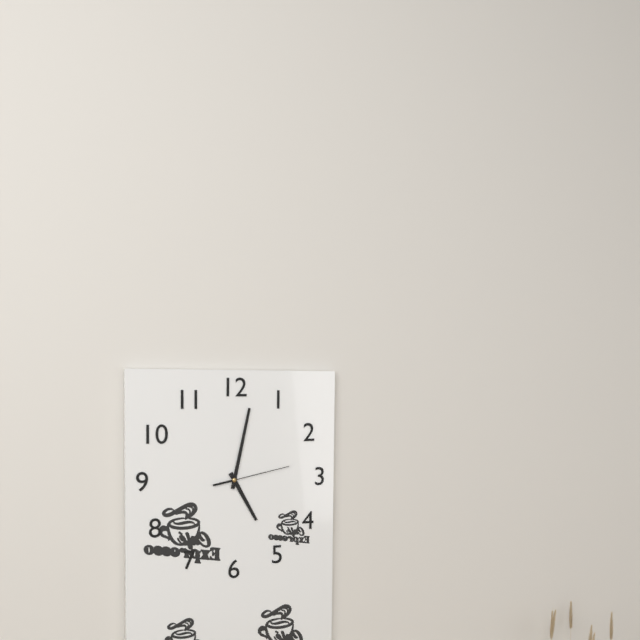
5:02:13
